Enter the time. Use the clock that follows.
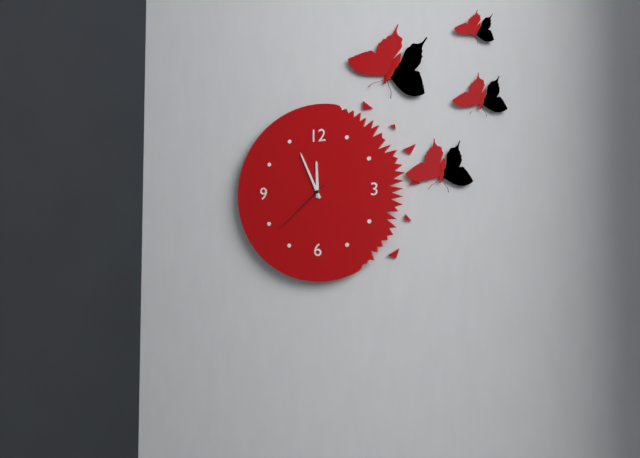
11:56:38
